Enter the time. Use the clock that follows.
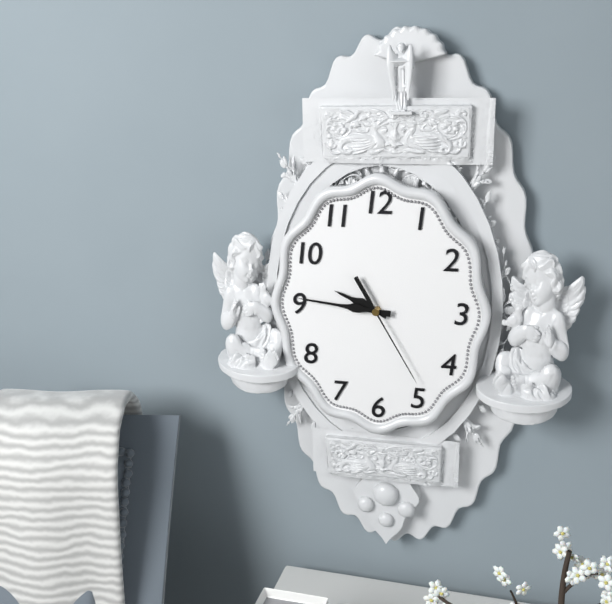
9:46:25
